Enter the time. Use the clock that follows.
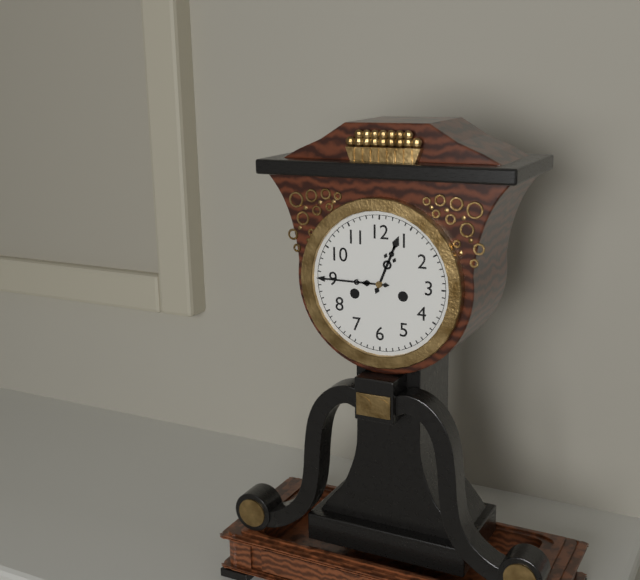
12:45
